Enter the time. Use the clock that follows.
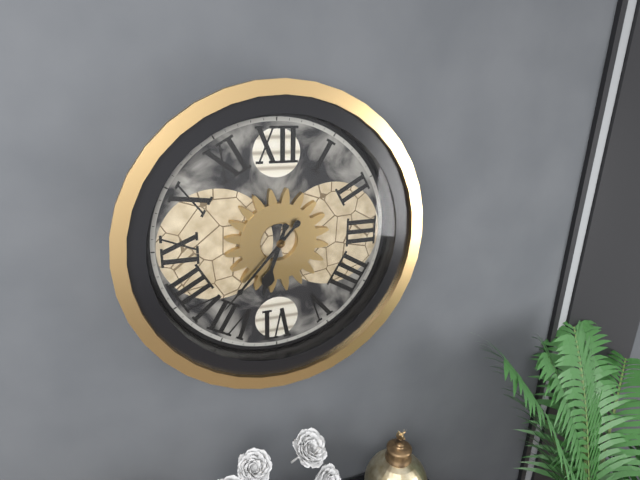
6:37
